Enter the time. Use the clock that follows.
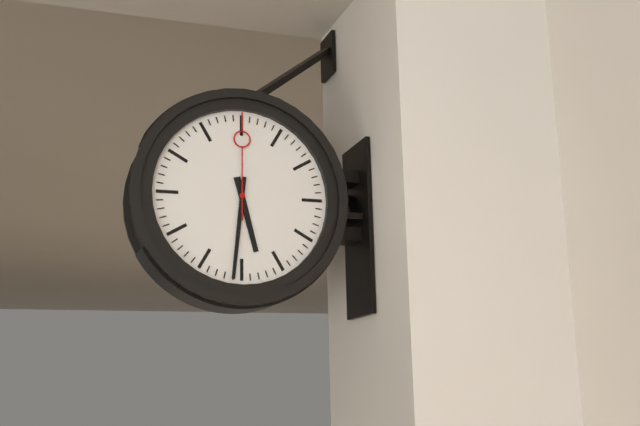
5:31:00
